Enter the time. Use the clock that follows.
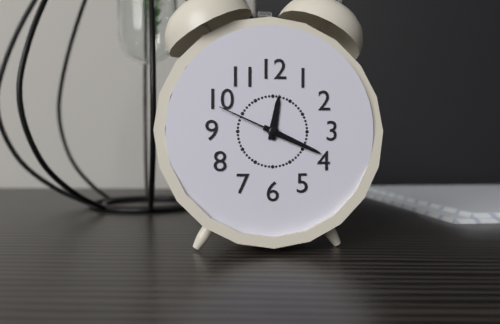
12:19:49
